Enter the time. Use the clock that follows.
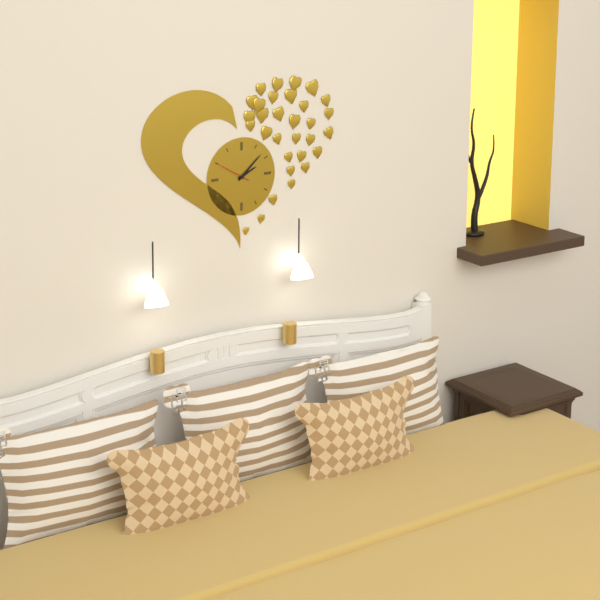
2:08
